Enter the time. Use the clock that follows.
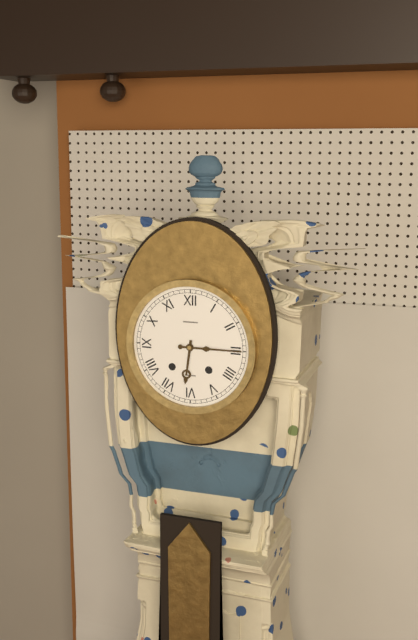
6:15
